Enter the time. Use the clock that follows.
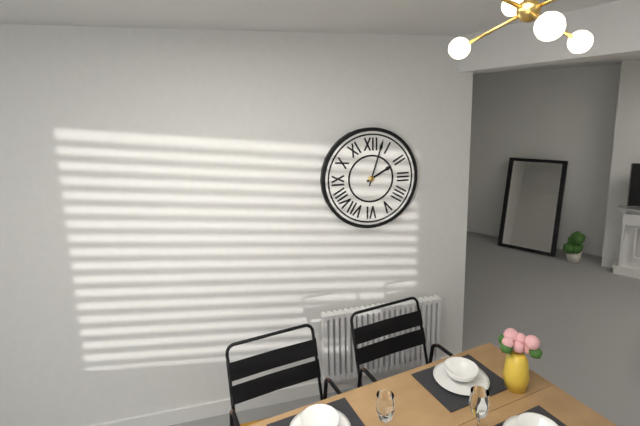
2:03
